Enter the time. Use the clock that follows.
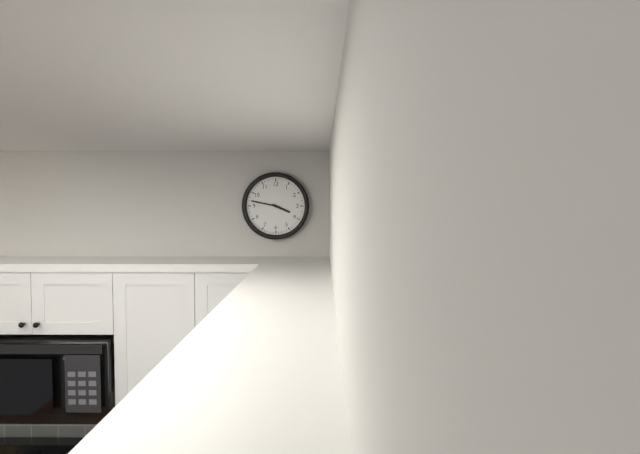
3:47
